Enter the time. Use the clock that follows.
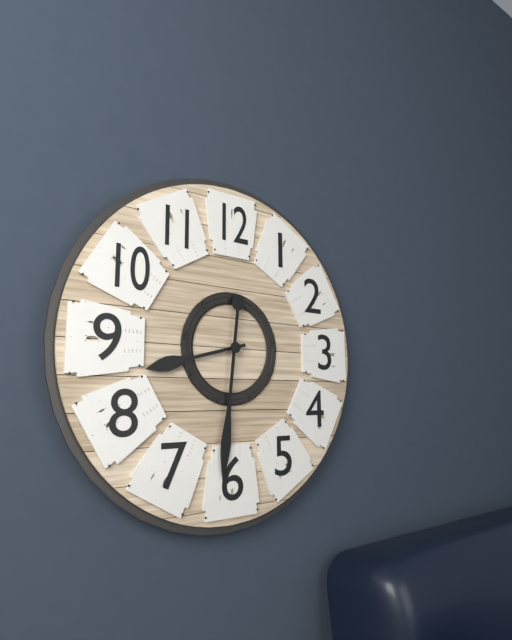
8:31
